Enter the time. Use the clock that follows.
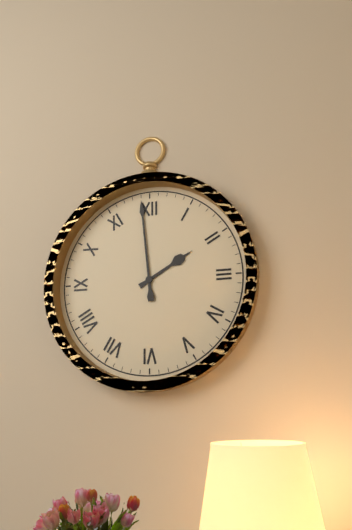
1:59
